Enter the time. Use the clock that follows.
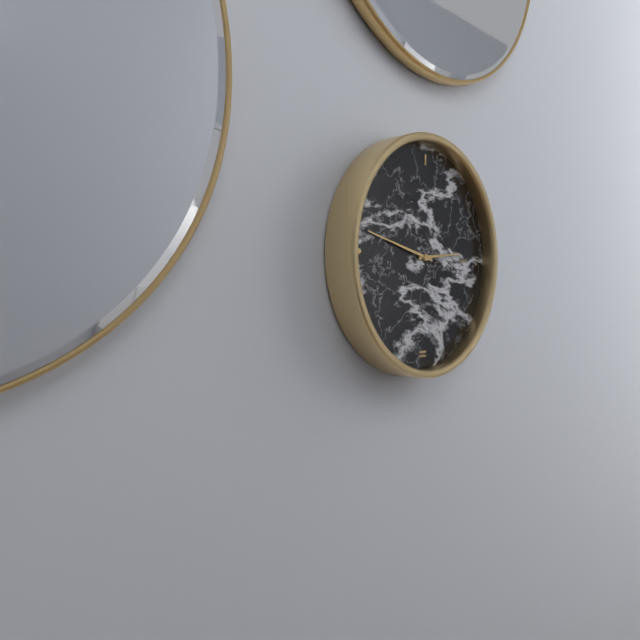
2:47
